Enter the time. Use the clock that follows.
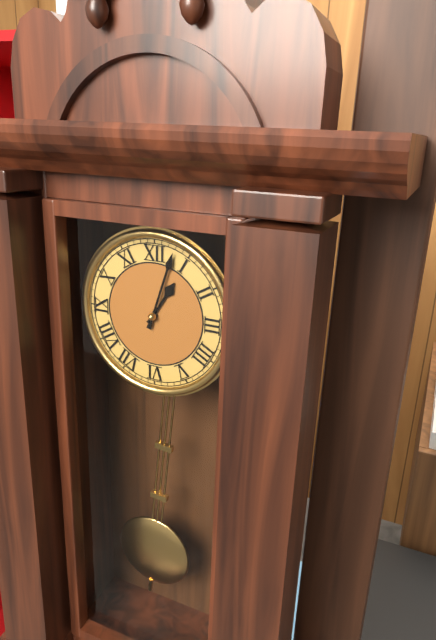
1:03
